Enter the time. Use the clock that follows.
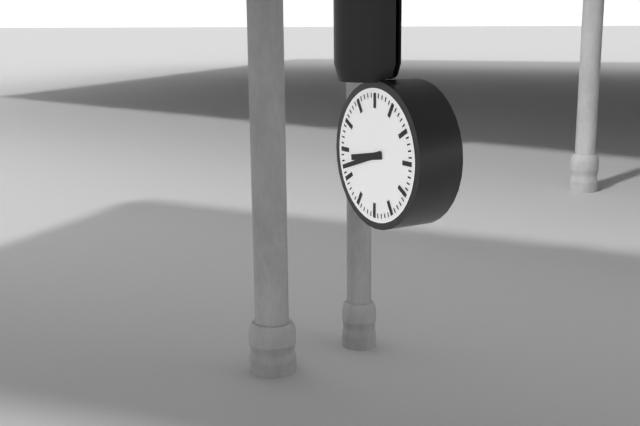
8:42
